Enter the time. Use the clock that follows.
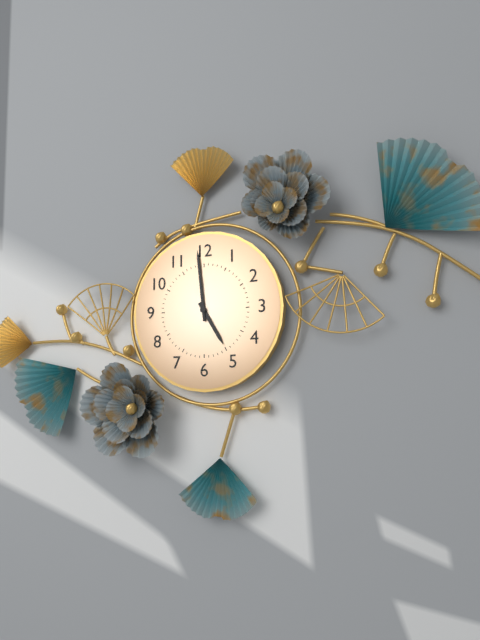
4:59
